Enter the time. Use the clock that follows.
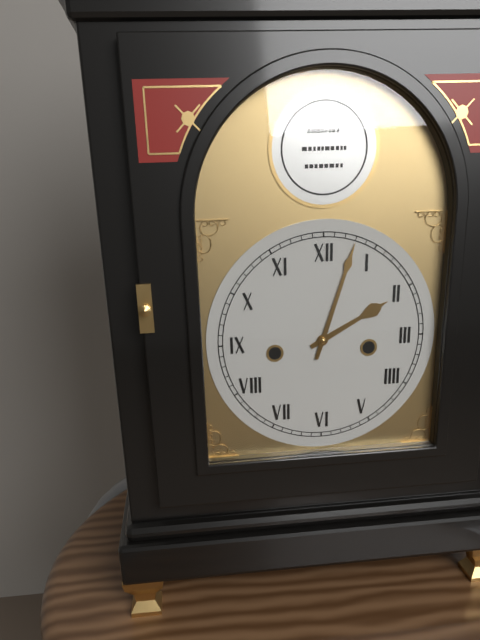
2:03
